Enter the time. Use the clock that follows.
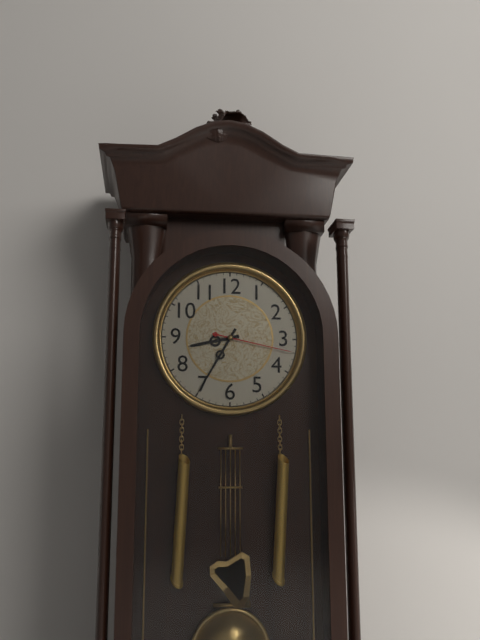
8:35:17
